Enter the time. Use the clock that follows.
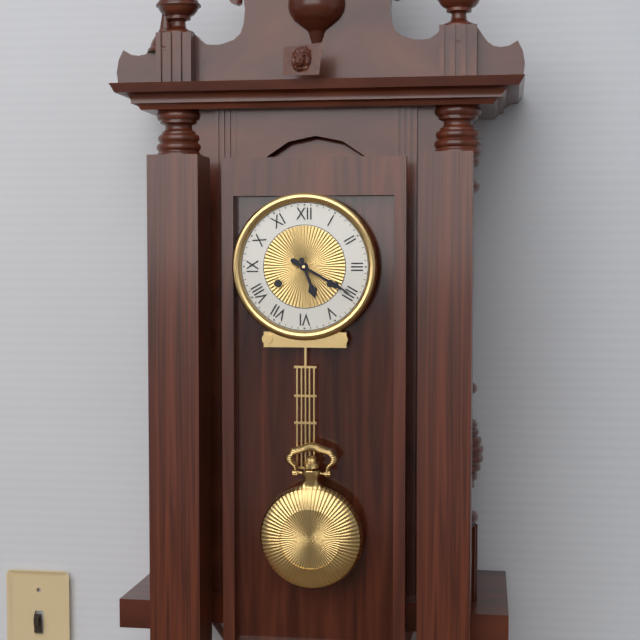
5:20
